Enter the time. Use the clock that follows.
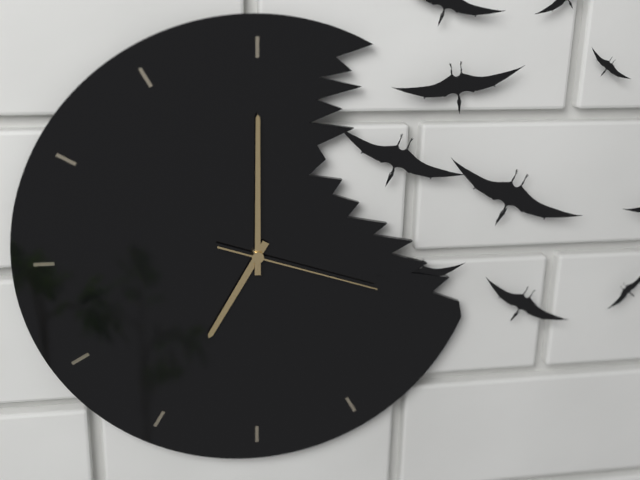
7:00:18
